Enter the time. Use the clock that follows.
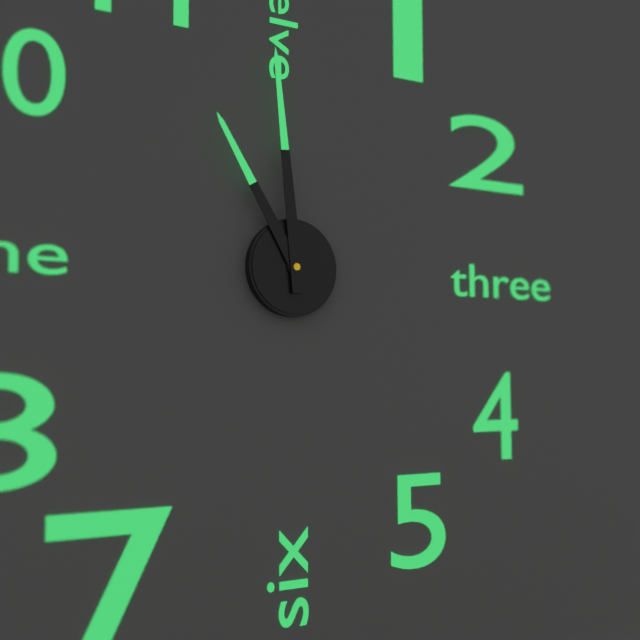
10:59
